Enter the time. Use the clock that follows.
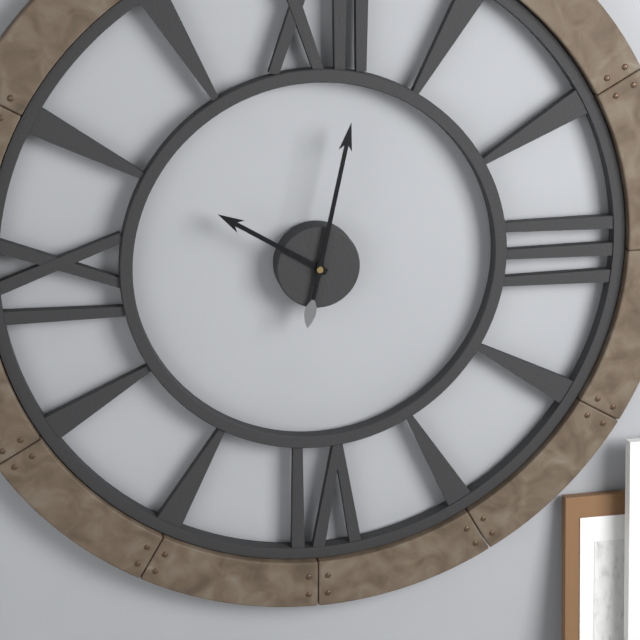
10:02
